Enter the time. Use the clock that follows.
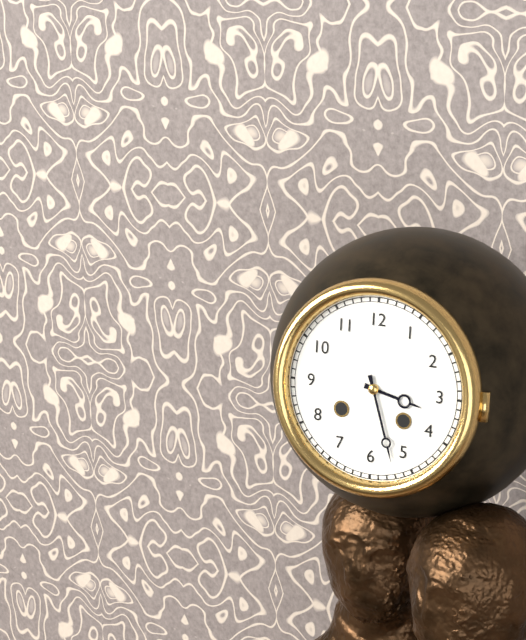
3:27
